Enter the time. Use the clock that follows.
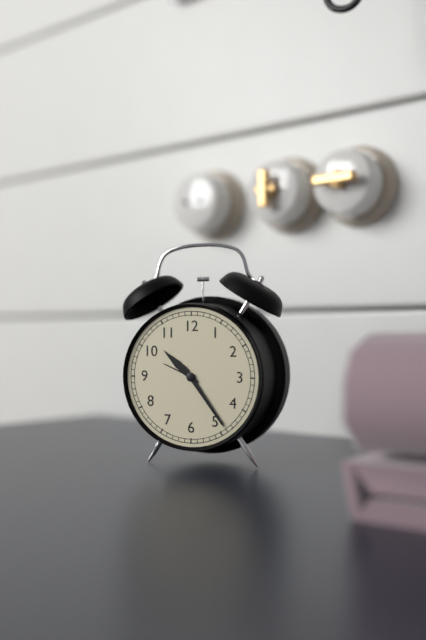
10:24
